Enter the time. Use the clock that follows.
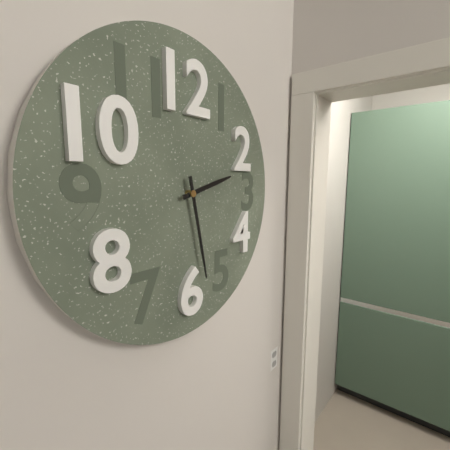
2:28
